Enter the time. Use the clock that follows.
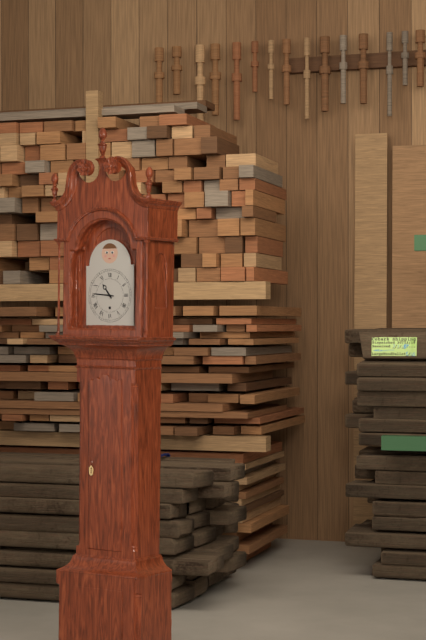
10:46
